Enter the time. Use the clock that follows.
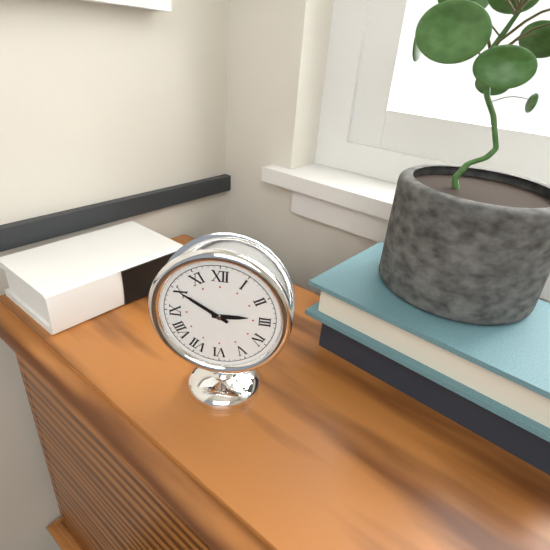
2:50
